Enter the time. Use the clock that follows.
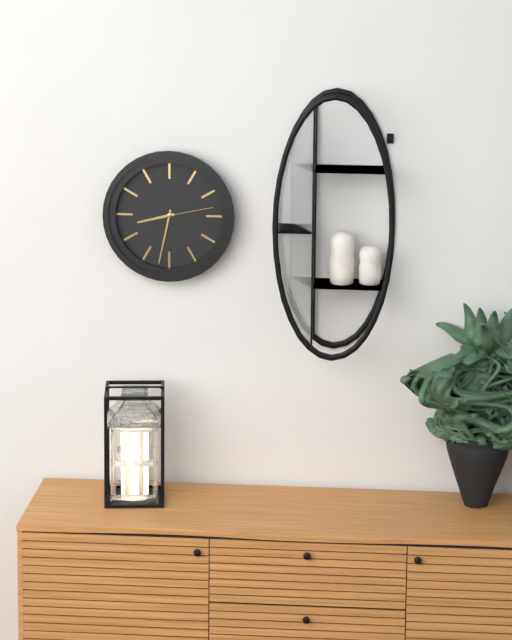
8:32:13
